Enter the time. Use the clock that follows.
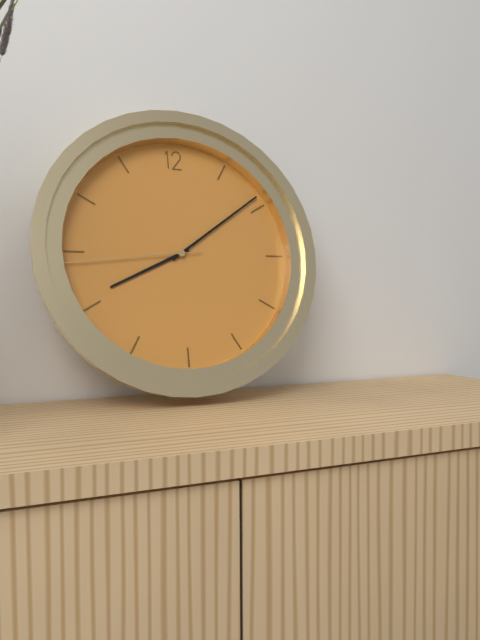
8:09:44
